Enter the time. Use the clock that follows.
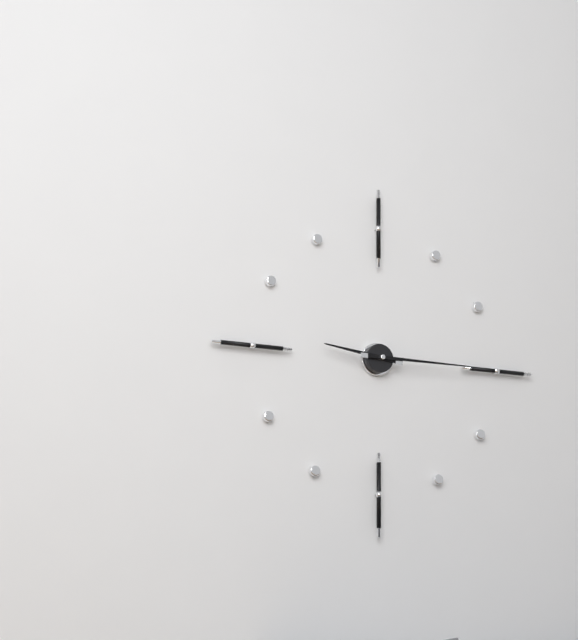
9:15
